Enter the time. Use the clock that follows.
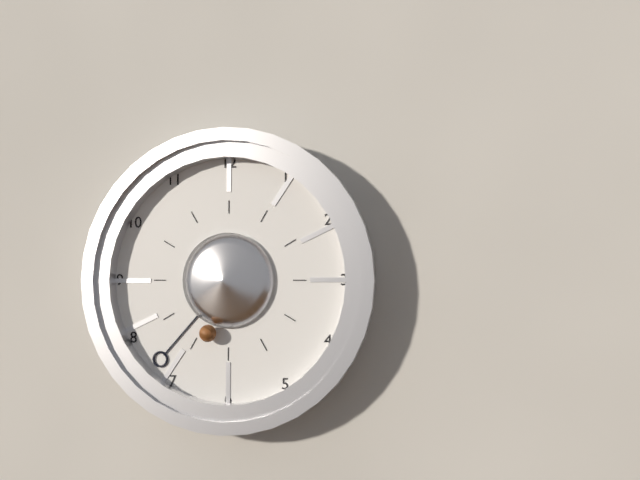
6:37
